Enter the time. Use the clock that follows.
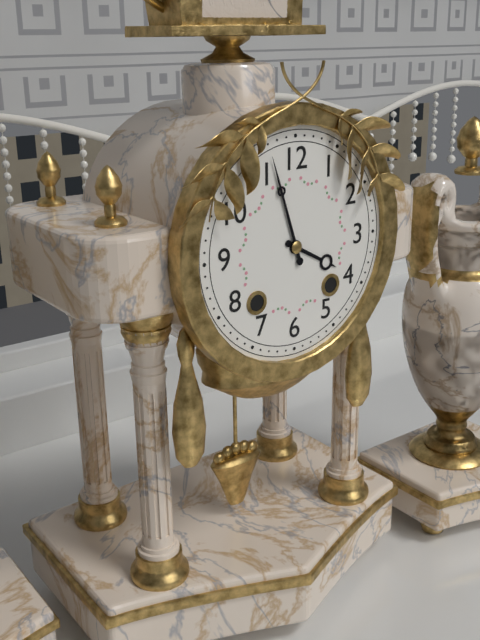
3:57
